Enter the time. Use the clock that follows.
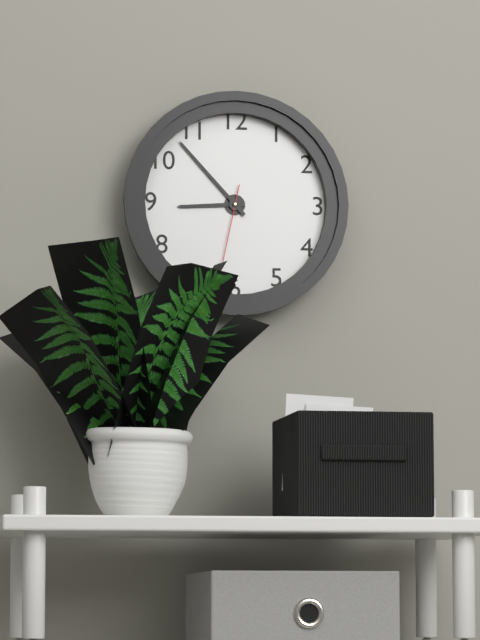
8:53:32
